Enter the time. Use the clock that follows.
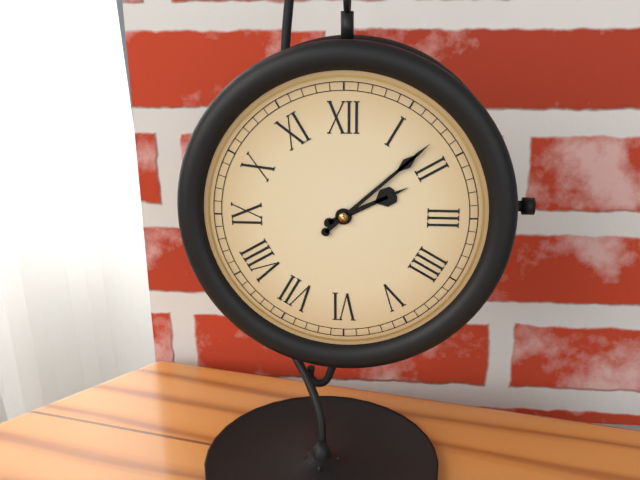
2:08
